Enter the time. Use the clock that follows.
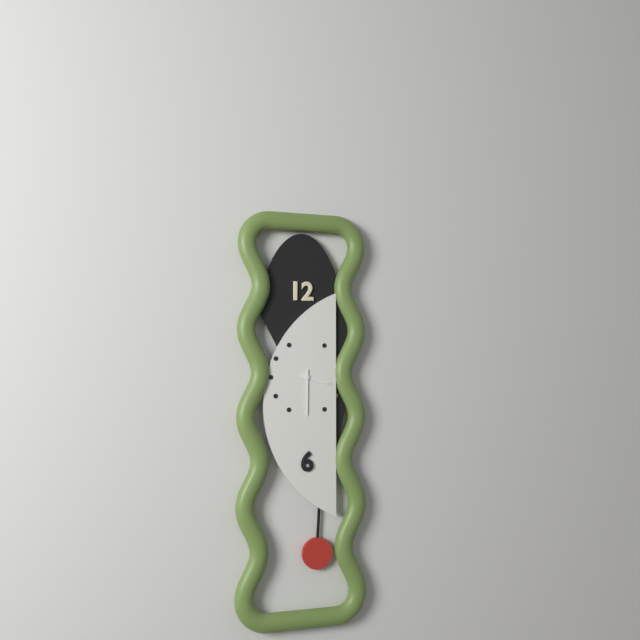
3:30
